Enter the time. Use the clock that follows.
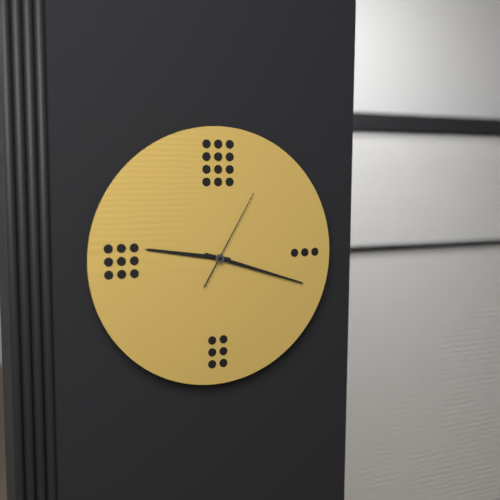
9:18:05
